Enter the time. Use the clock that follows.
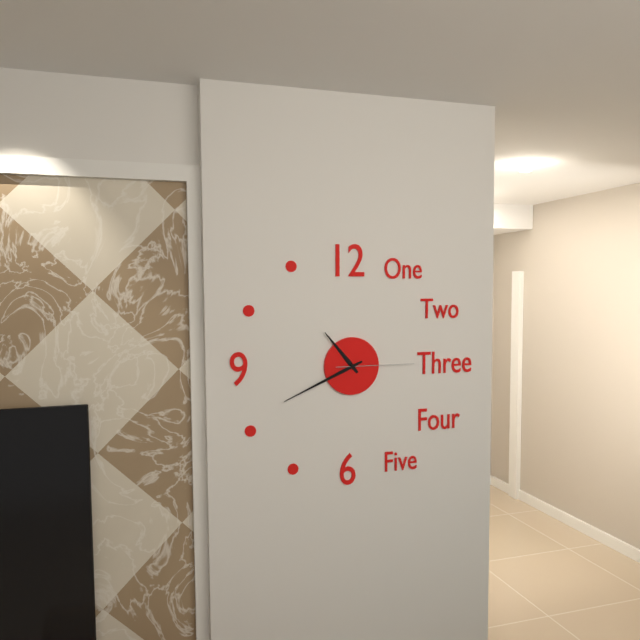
10:41:15
